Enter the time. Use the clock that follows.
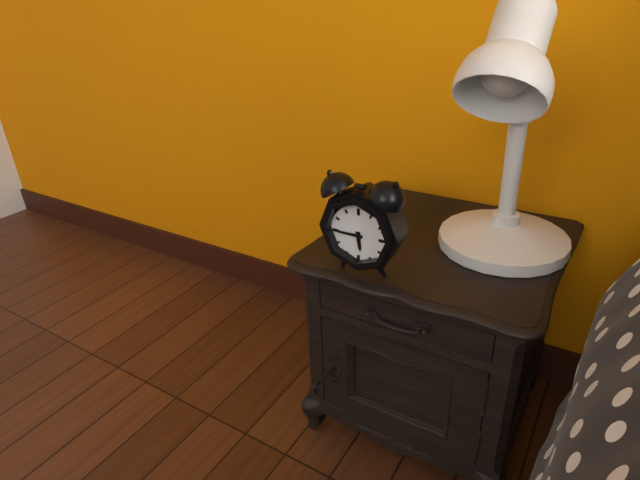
5:45
